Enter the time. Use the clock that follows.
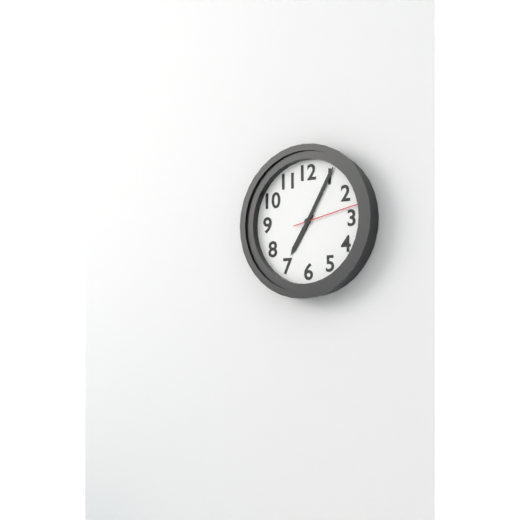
7:05:13
